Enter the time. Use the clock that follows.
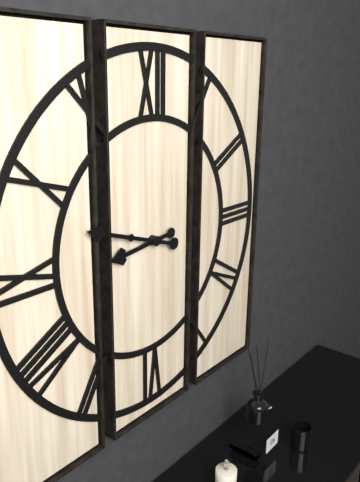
8:48
